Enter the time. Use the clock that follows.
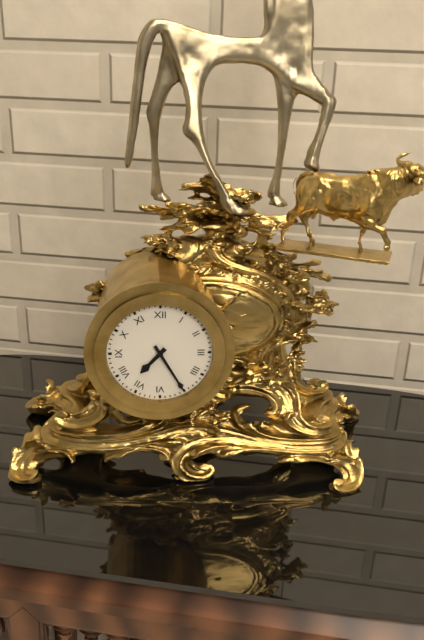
7:25
